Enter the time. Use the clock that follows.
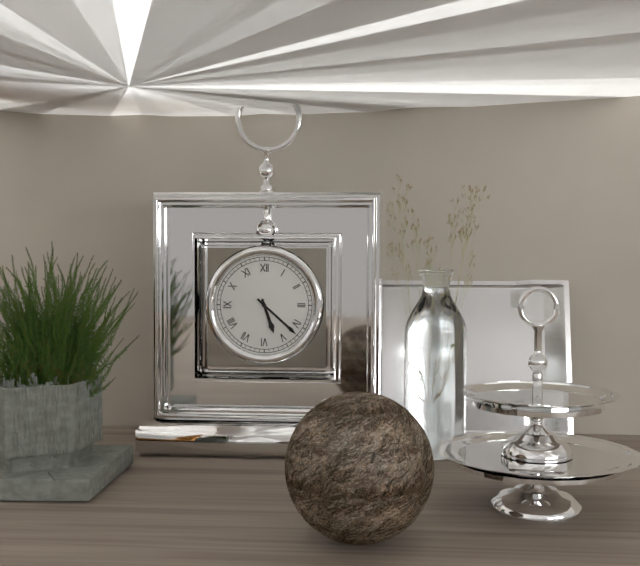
5:22
